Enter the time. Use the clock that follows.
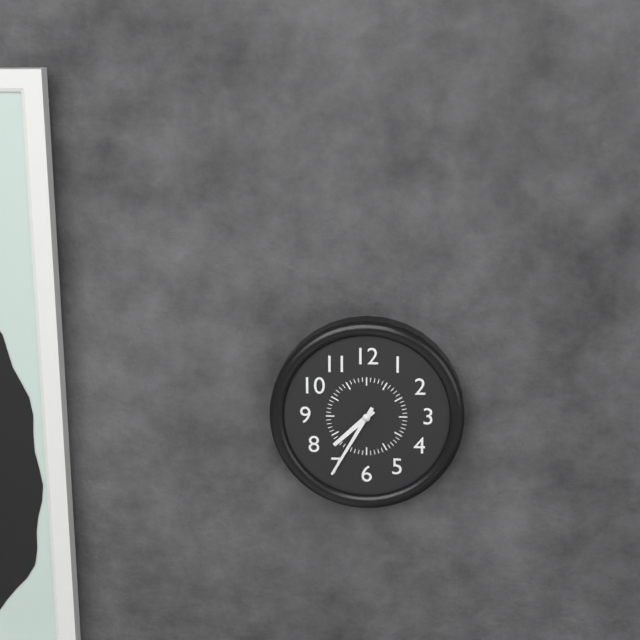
7:35
